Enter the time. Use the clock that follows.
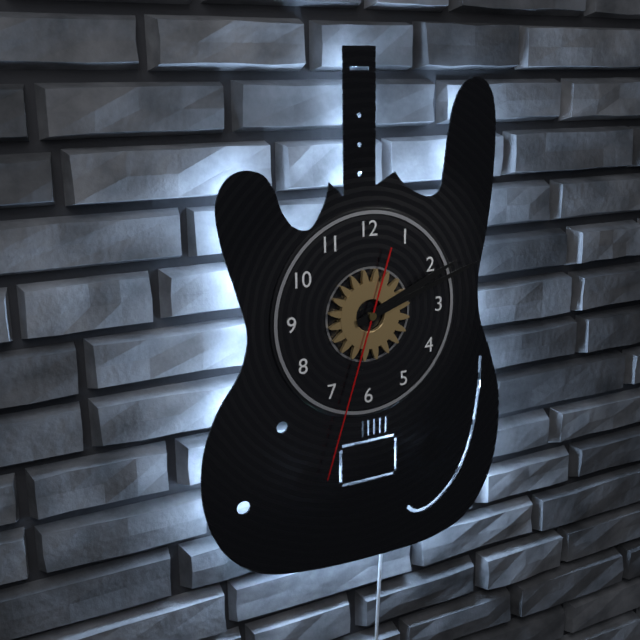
2:12:33
